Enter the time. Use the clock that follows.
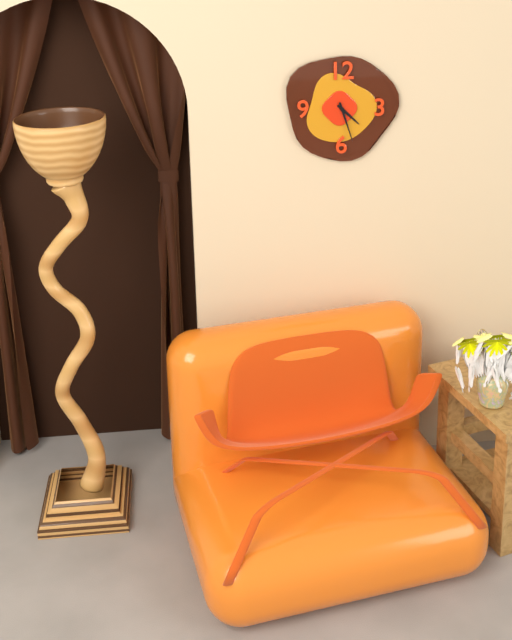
4:27
